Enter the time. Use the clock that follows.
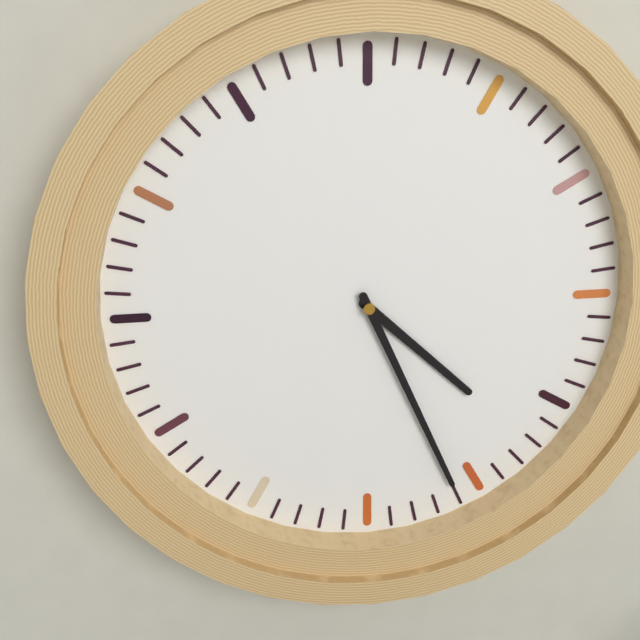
4:26
